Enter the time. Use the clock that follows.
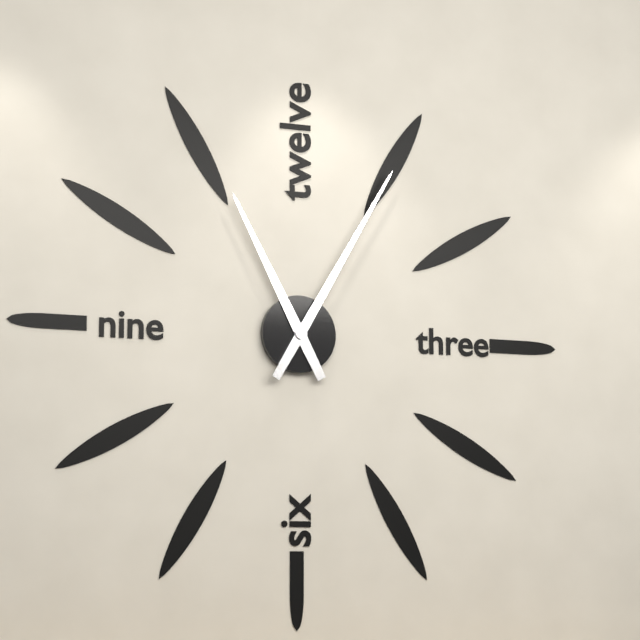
11:05
